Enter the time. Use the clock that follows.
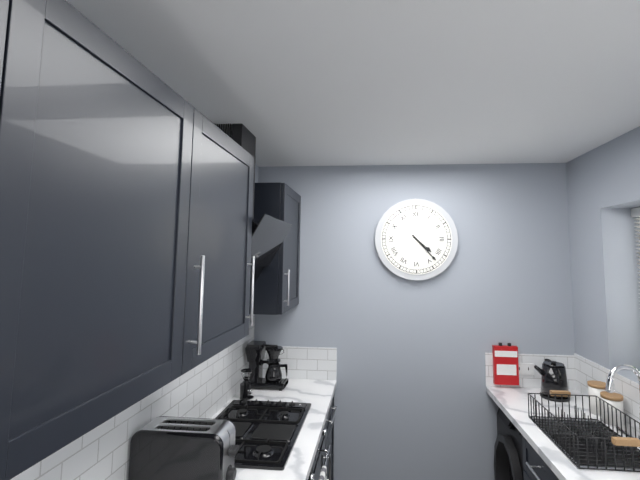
4:23
